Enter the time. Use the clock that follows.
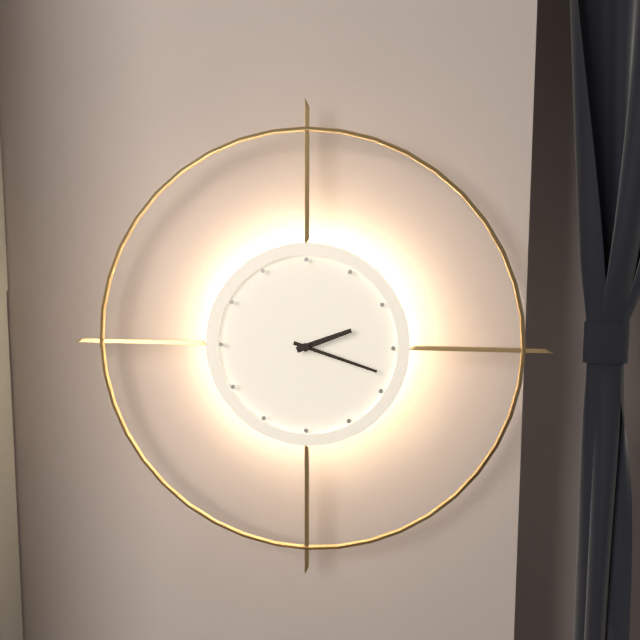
2:18
